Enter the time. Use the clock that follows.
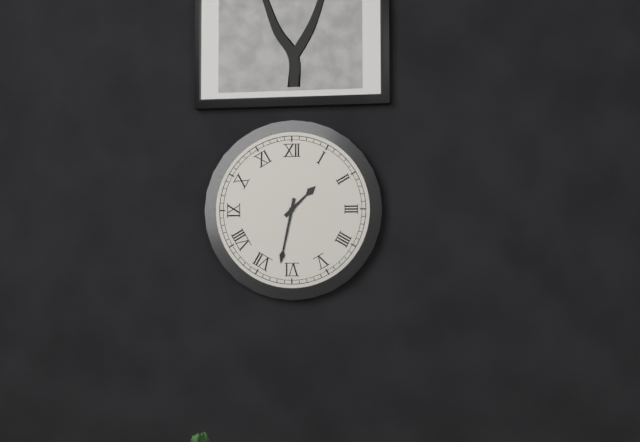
1:32
